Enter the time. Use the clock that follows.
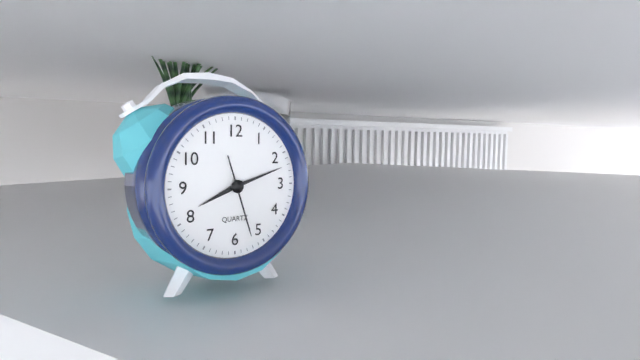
8:12:27
